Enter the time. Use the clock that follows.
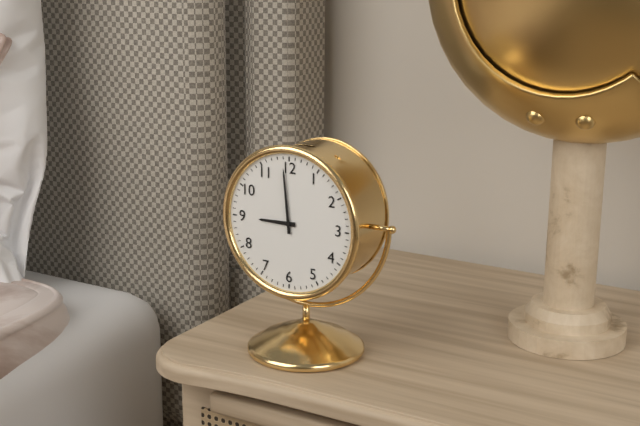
8:59
